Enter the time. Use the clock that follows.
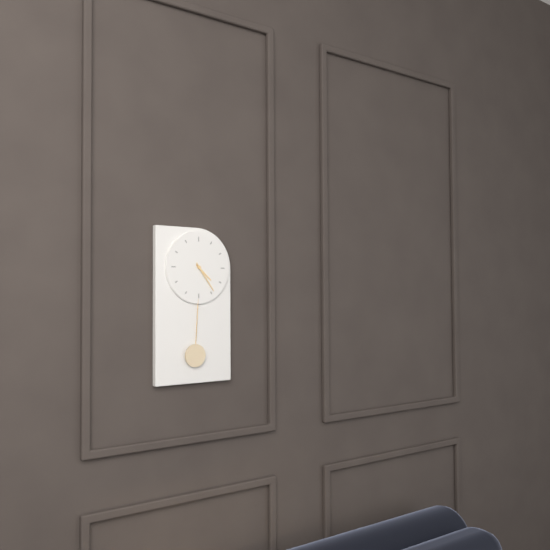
4:24
